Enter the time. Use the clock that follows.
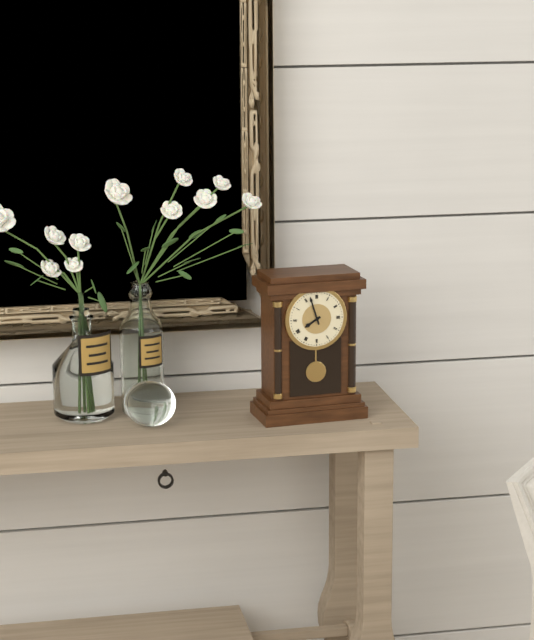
7:57
